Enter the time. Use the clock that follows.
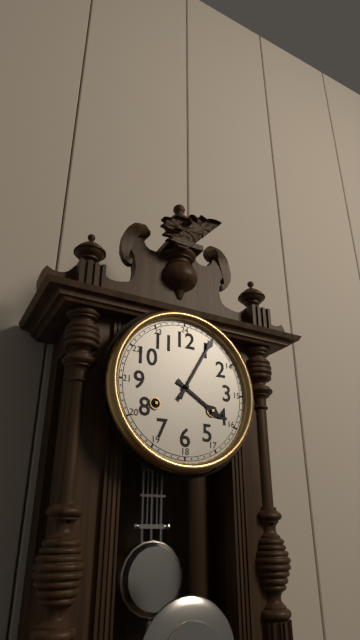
4:05
